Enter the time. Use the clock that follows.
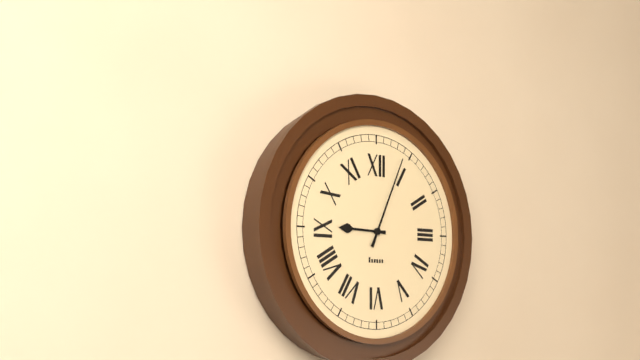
9:04
